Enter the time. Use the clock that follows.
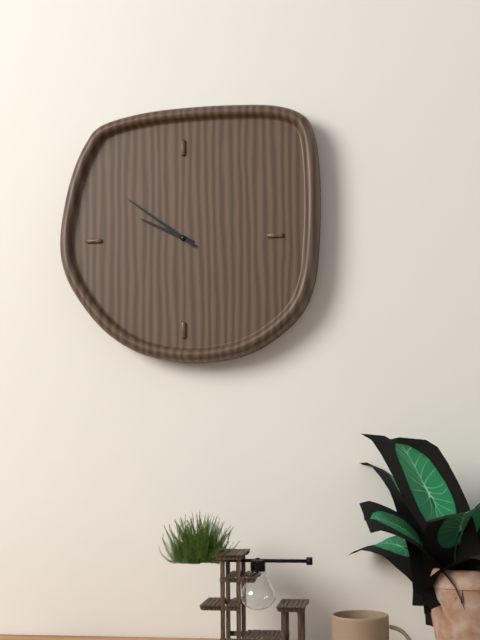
9:51
